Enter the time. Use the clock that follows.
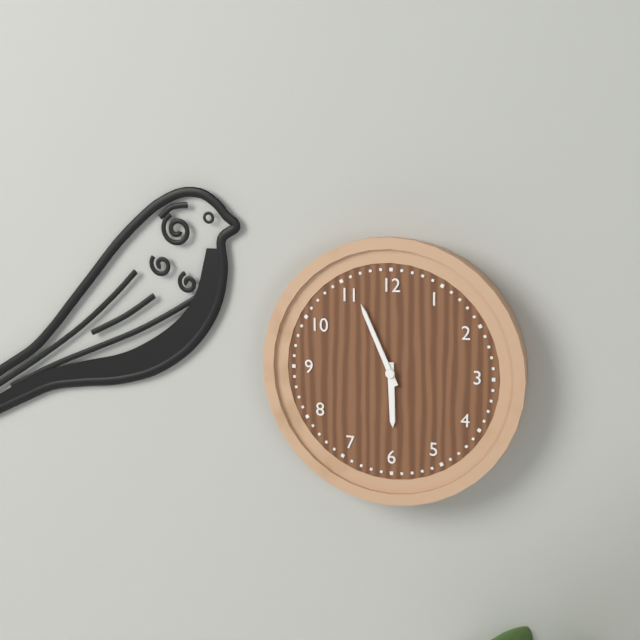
5:56
